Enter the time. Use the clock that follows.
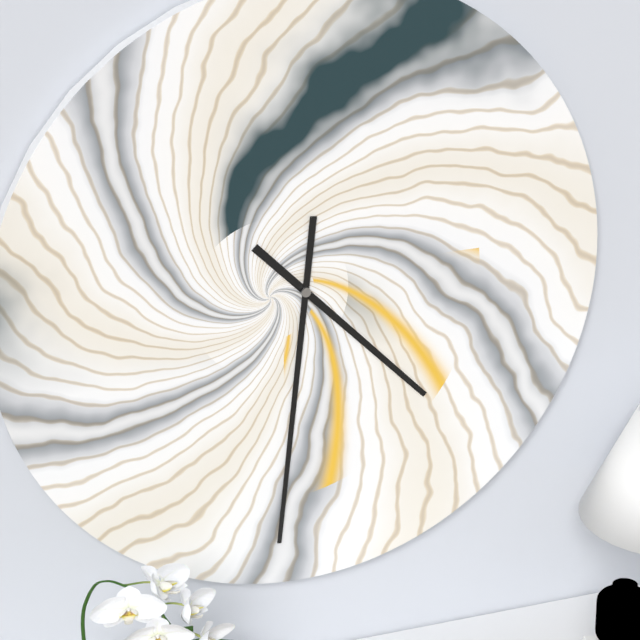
4:31
